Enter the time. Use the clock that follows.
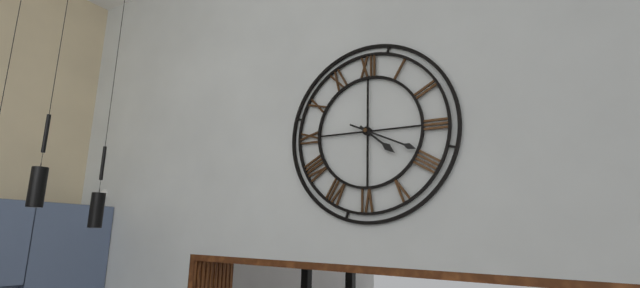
4:19
